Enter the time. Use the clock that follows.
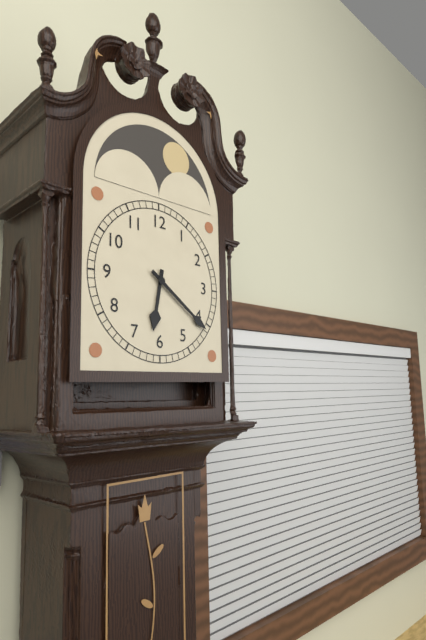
6:21
